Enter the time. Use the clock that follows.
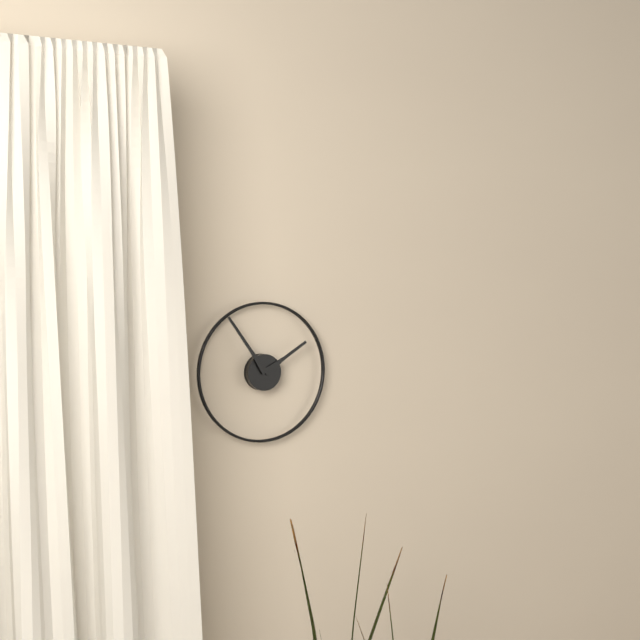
1:54
